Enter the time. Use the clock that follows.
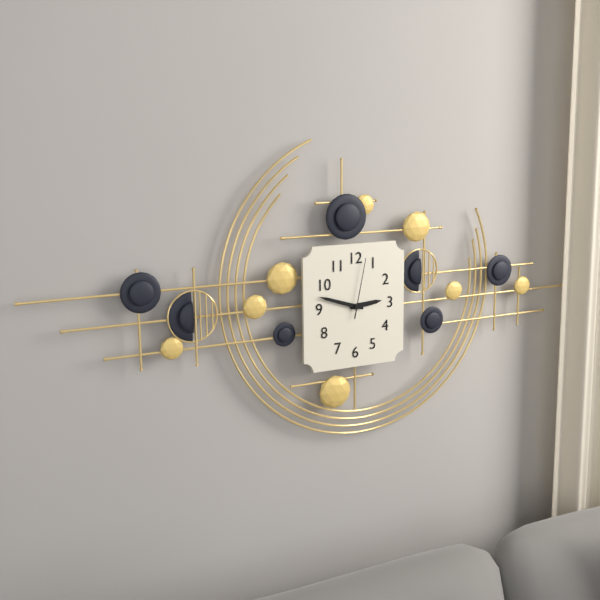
2:48:02
